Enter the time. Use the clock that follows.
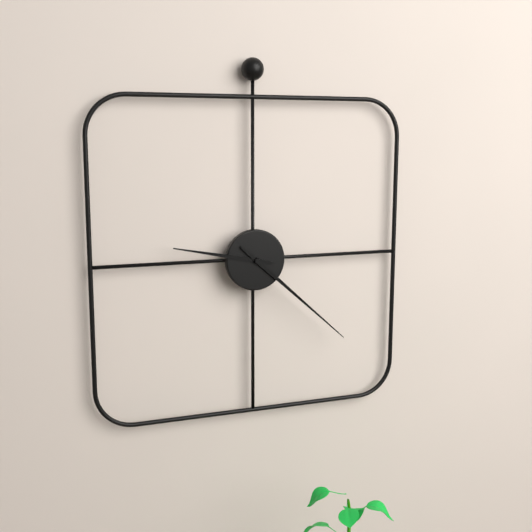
9:22
